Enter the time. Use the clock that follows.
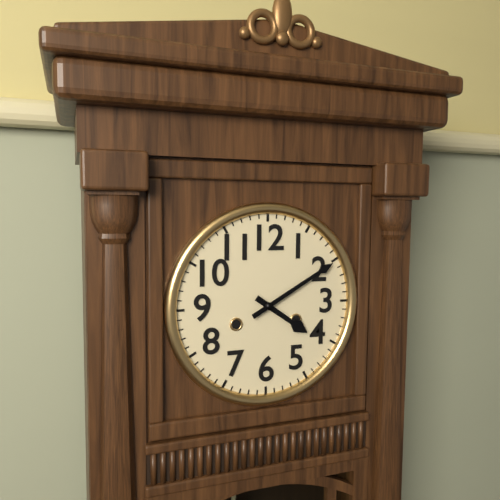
4:10
